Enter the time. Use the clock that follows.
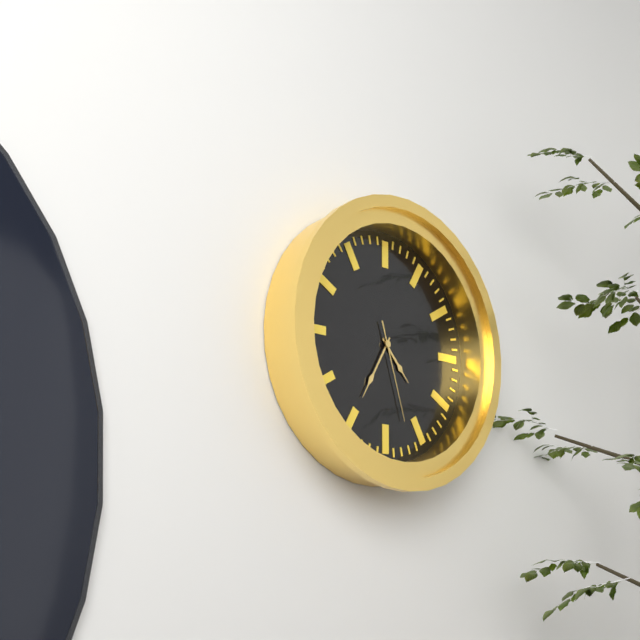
4:35:27
